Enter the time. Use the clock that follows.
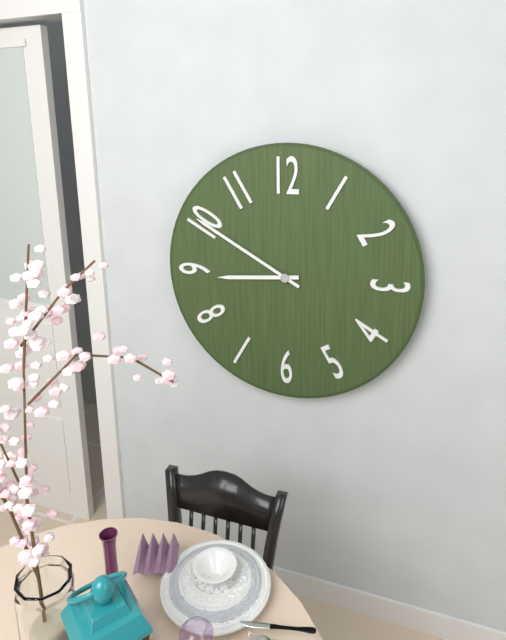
8:50
